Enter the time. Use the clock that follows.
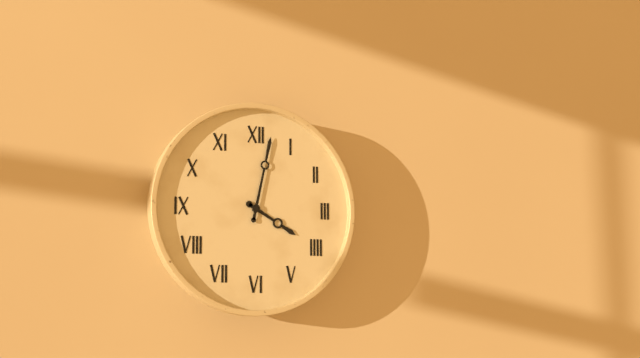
4:02
